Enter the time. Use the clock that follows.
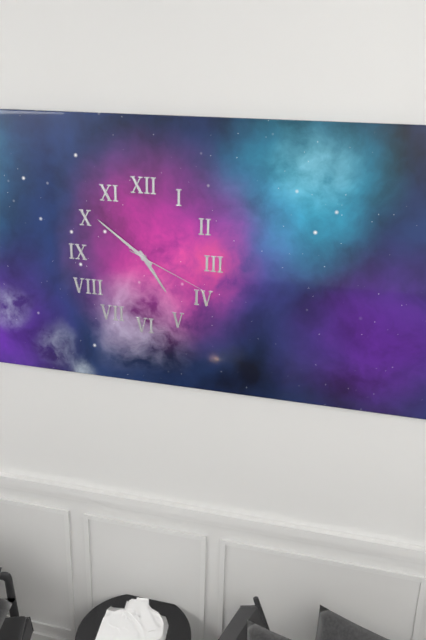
4:51:19
